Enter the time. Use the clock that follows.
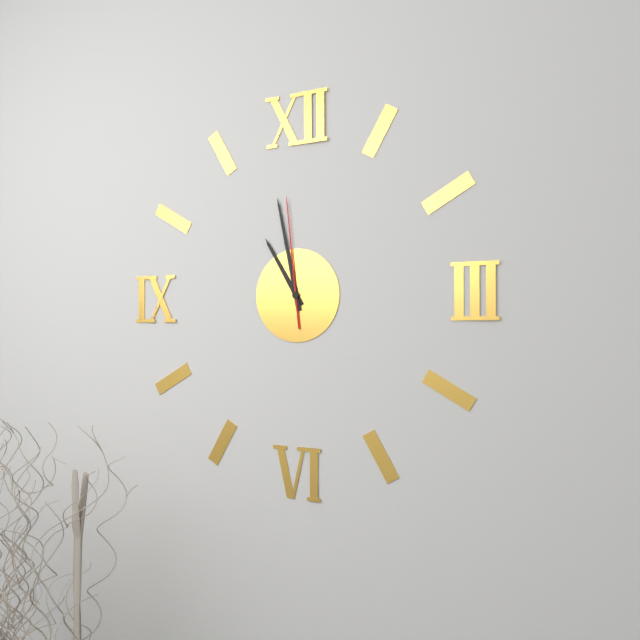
10:58:59
